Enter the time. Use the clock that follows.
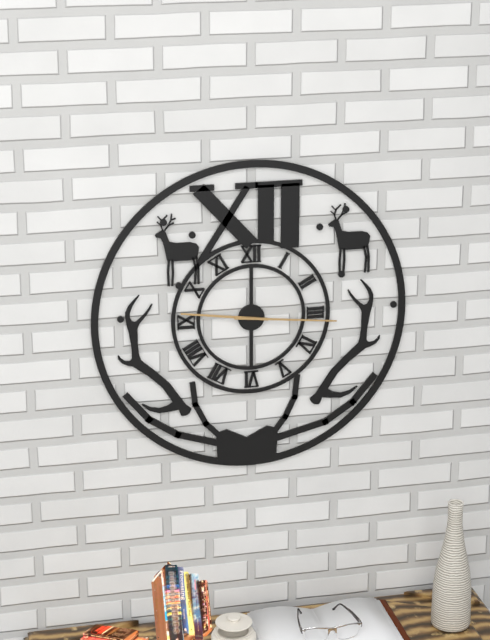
9:16
